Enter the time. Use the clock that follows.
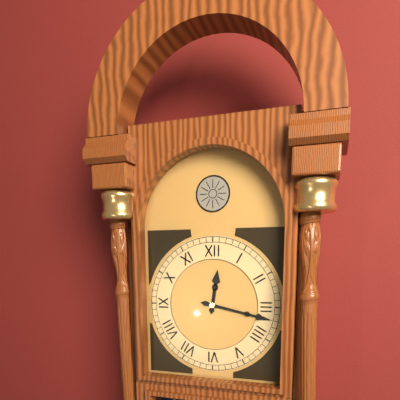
12:17
